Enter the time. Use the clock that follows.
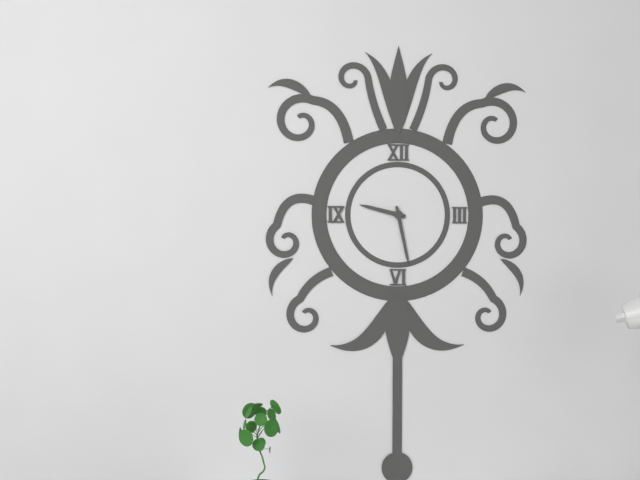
9:28
